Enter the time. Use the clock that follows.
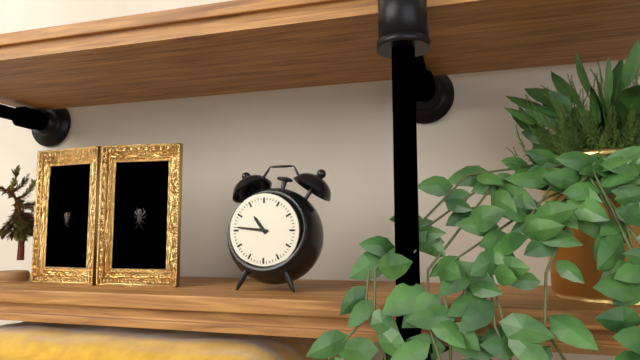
10:46
